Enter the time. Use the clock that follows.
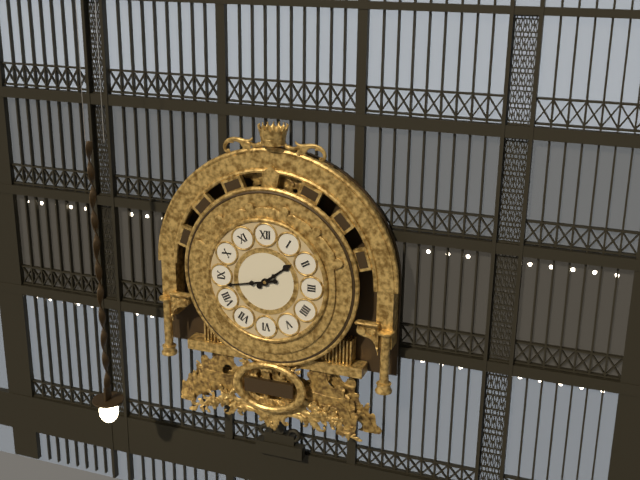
1:43
